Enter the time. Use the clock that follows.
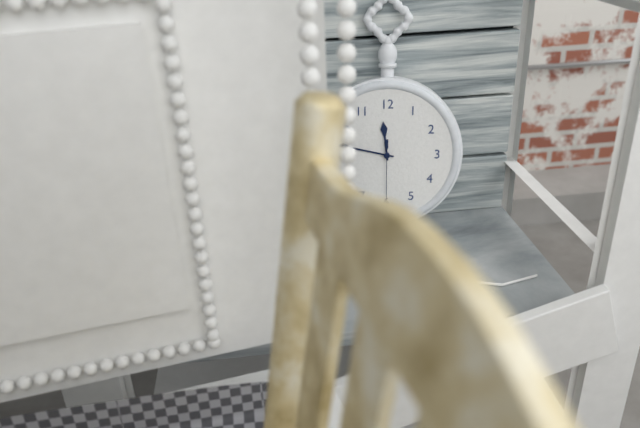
11:47:30
